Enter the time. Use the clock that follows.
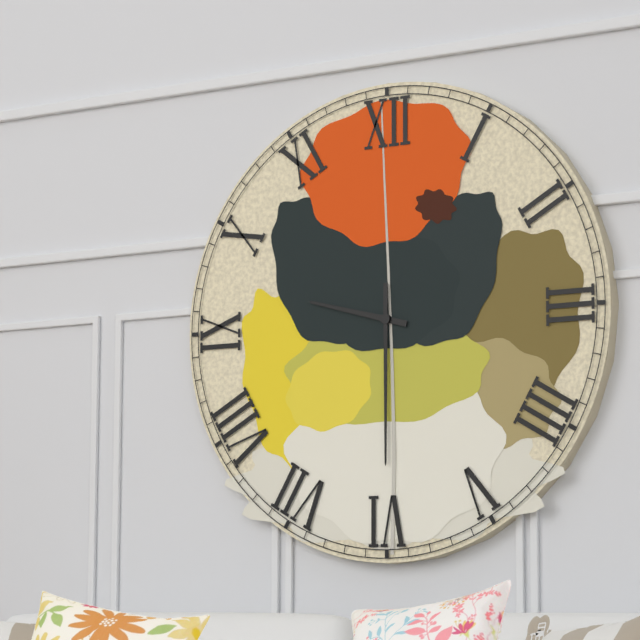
9:30
